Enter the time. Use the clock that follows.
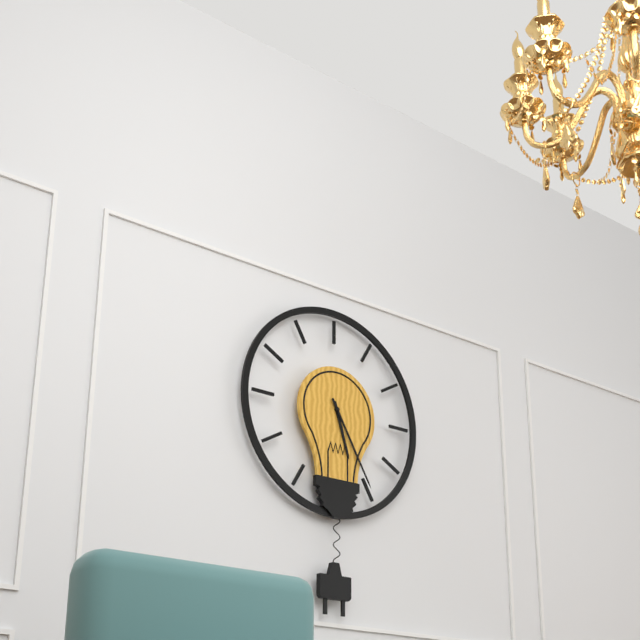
5:25
